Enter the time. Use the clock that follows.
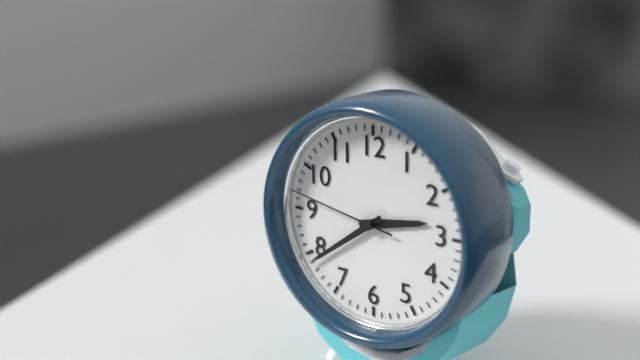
2:39:47
